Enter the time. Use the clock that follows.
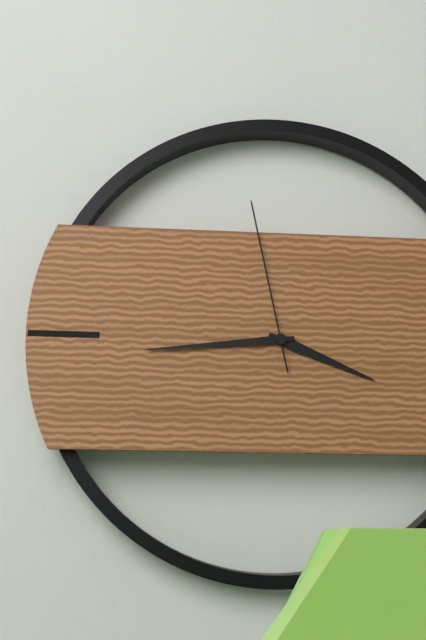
3:44:58
